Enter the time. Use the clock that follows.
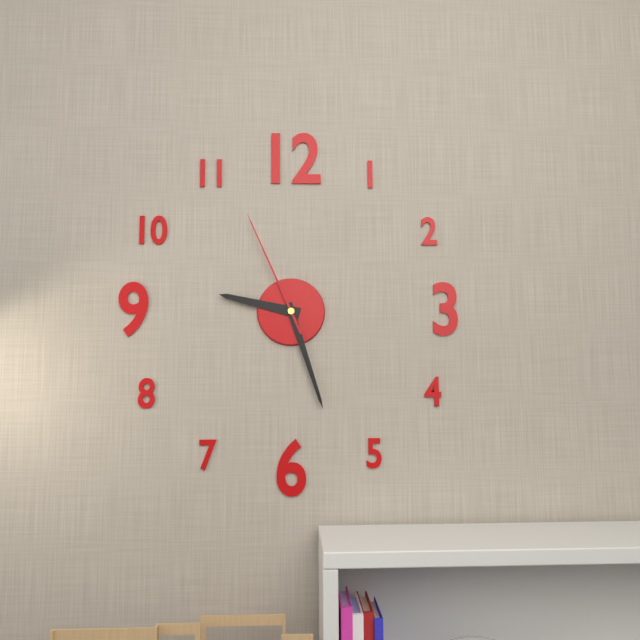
9:27:56
